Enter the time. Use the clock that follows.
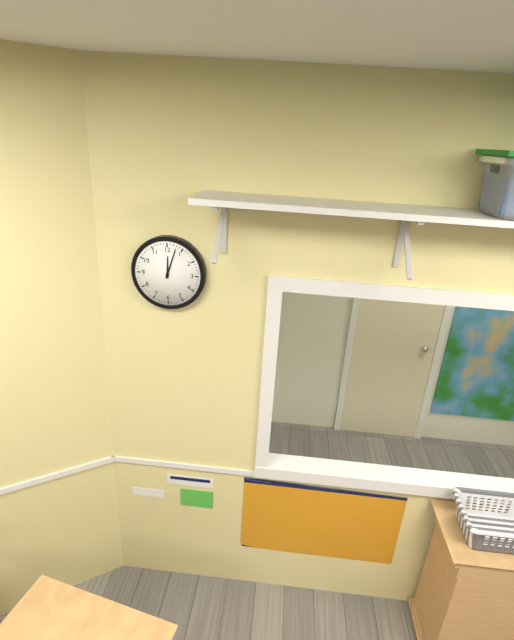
12:03
